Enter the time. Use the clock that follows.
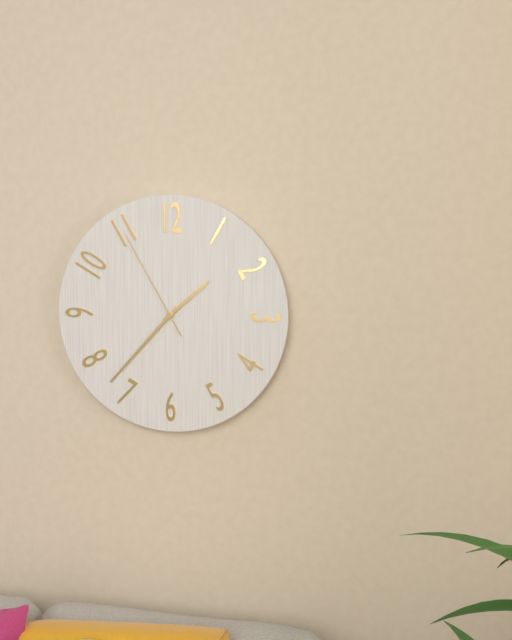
1:37:55
